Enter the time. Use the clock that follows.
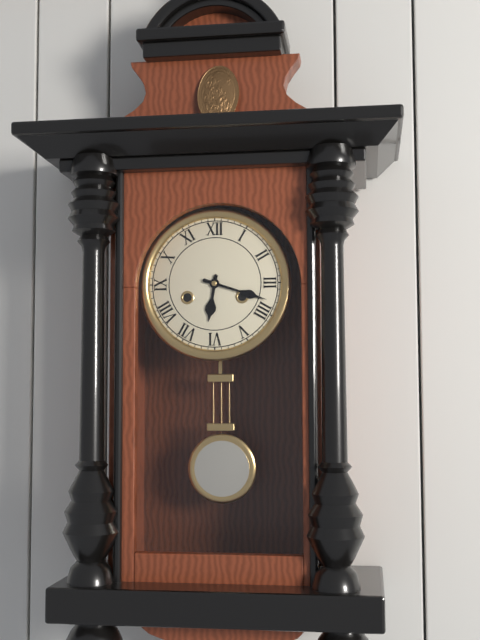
6:18
